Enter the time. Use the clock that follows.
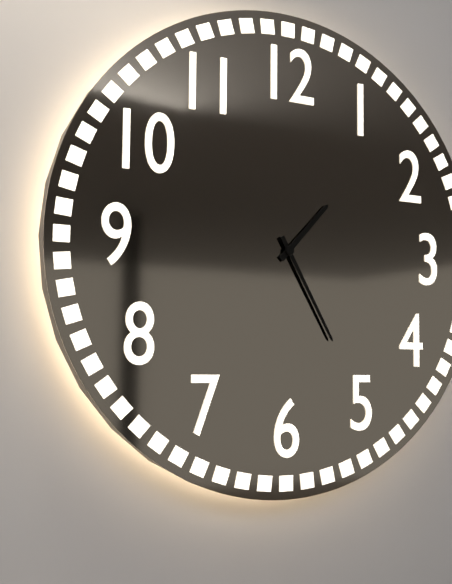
1:25
